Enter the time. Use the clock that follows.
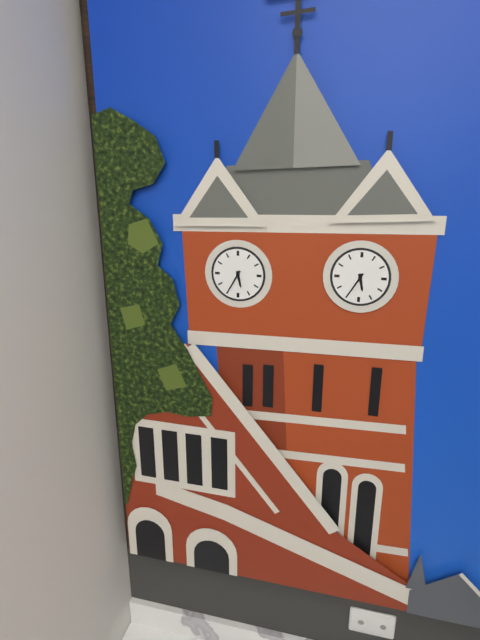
5:35
